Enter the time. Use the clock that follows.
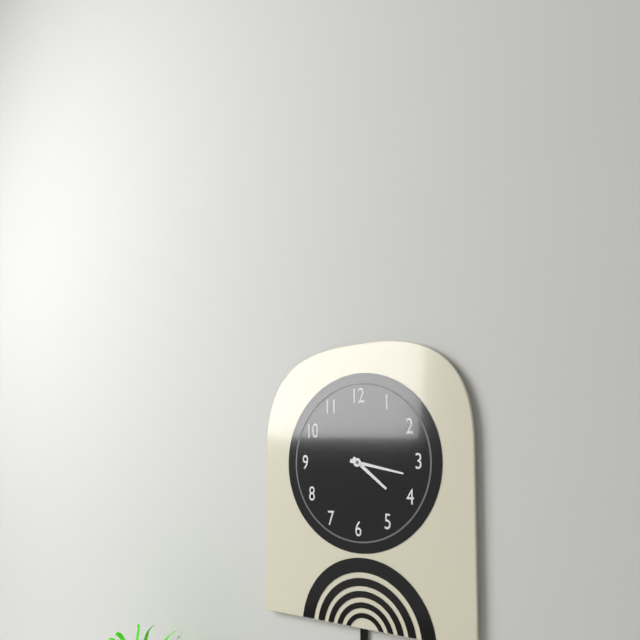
4:17
